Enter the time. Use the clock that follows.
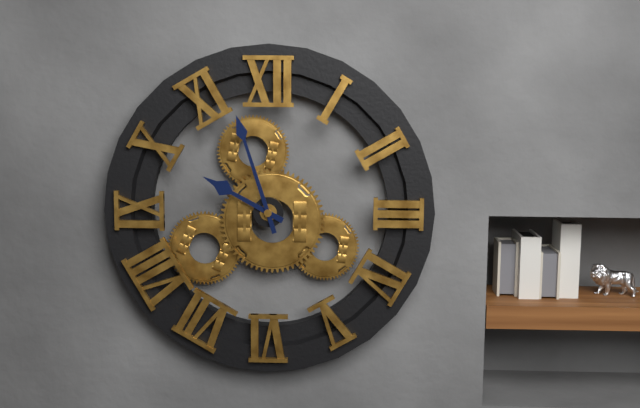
9:57
